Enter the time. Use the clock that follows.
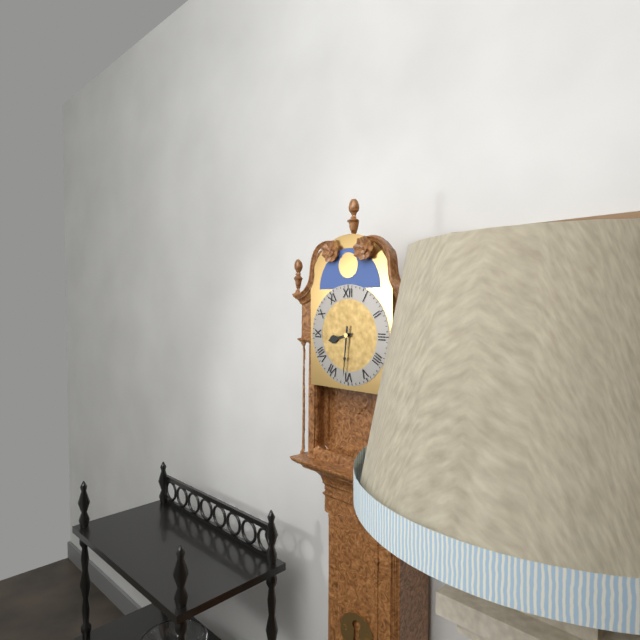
8:31
